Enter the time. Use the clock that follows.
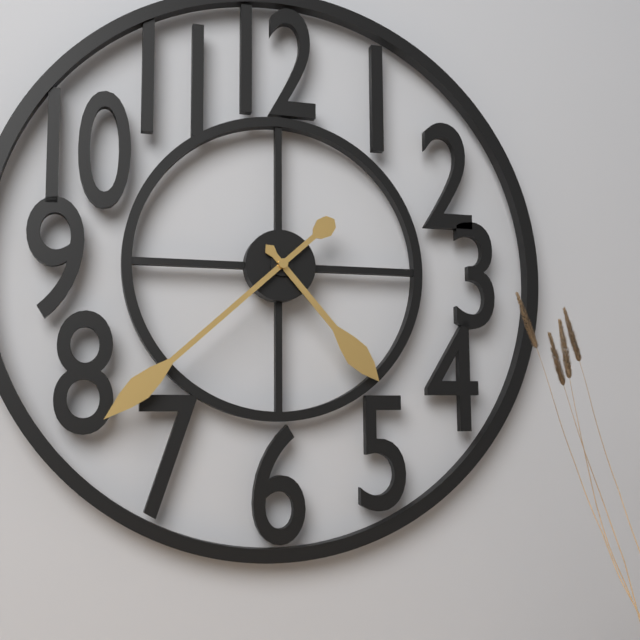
4:38
